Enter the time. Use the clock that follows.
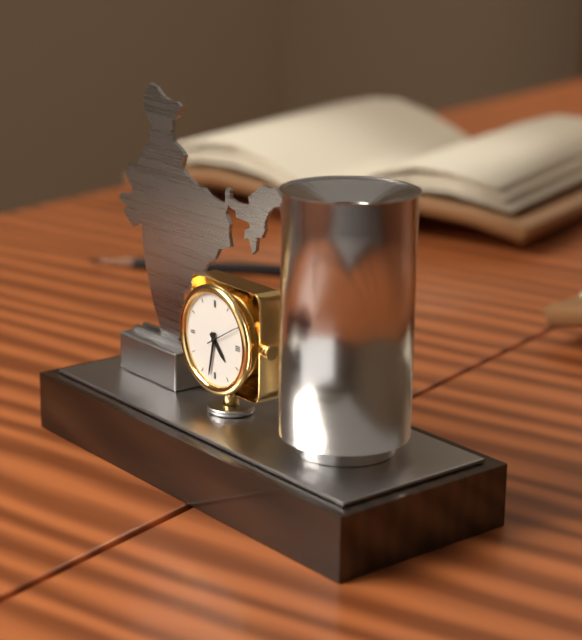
4:32
